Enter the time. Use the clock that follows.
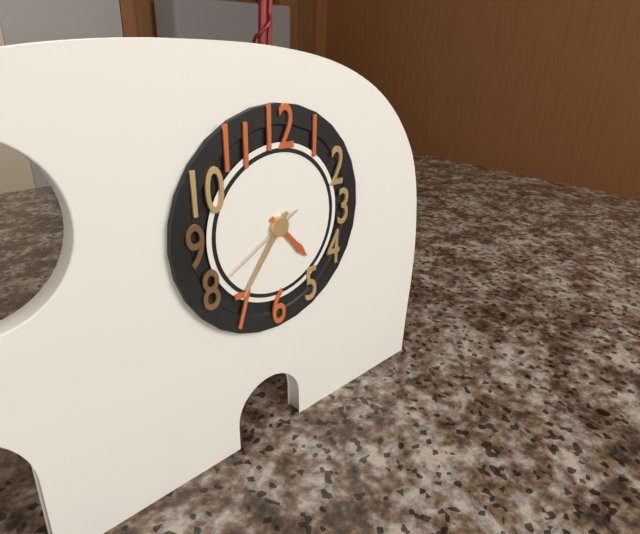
4:36:40
